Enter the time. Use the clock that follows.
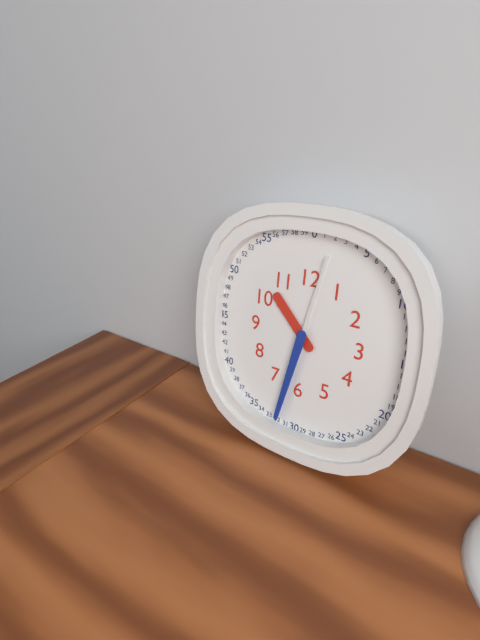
10:32:02
